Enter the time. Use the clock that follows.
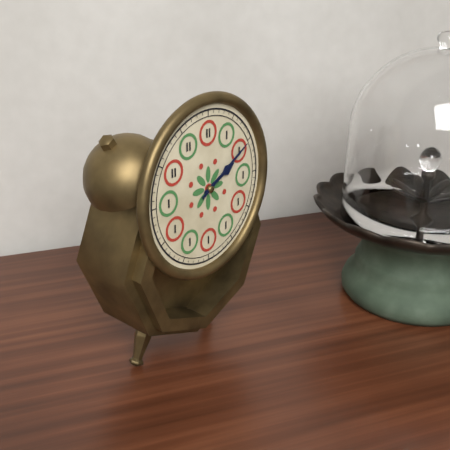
2:10
